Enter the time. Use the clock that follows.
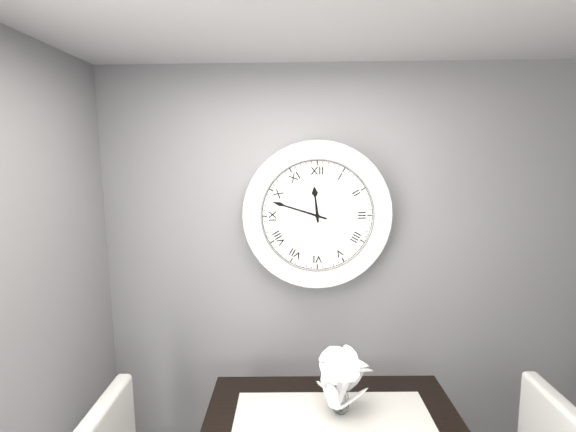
11:48
